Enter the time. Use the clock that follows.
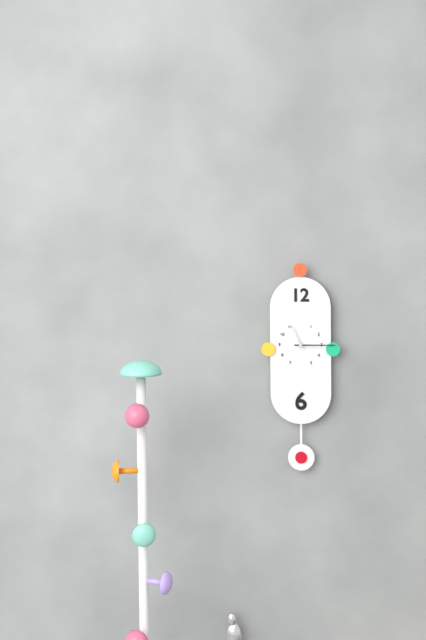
11:15
